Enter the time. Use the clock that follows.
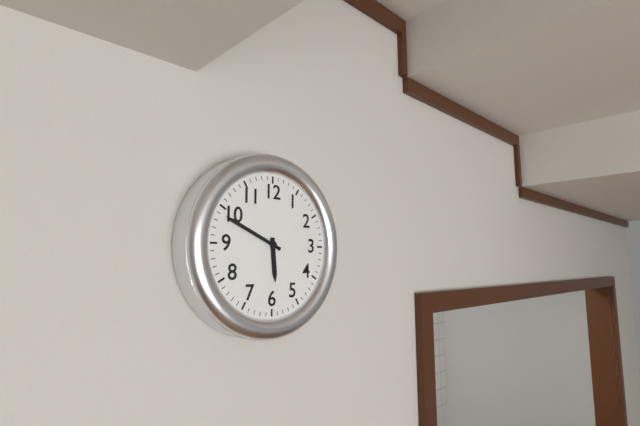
5:49
